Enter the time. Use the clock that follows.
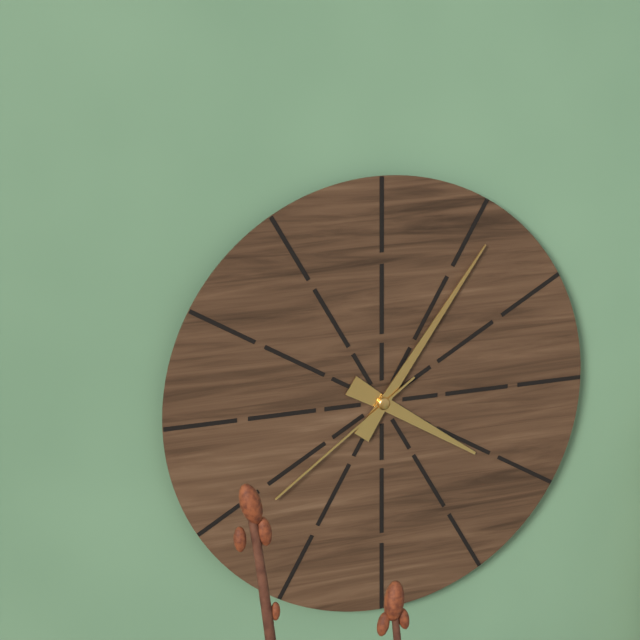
4:06:39
